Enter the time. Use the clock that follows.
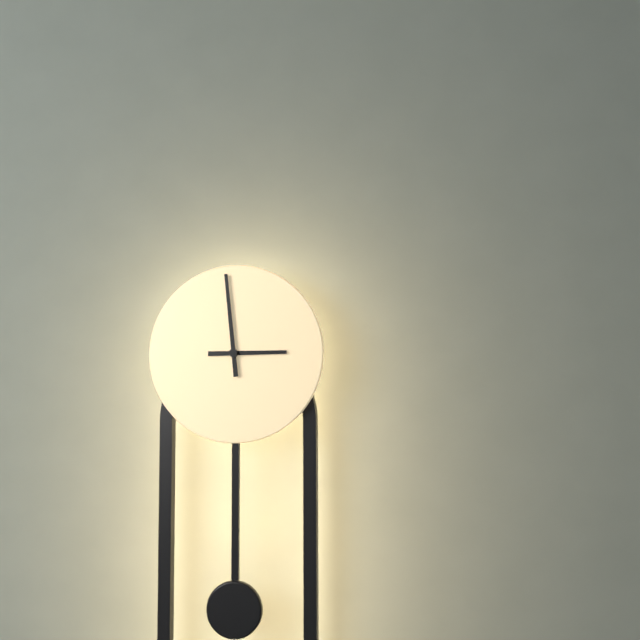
2:59
